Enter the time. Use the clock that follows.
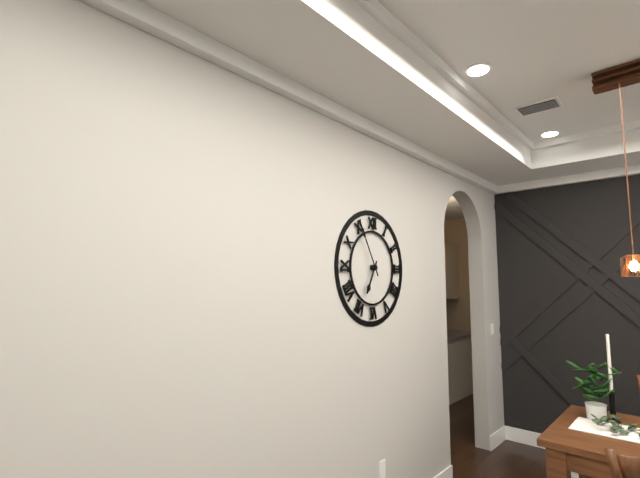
6:55
